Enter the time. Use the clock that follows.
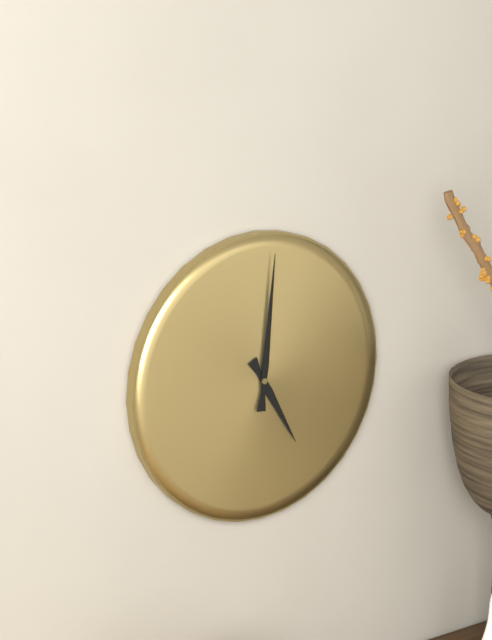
5:01
